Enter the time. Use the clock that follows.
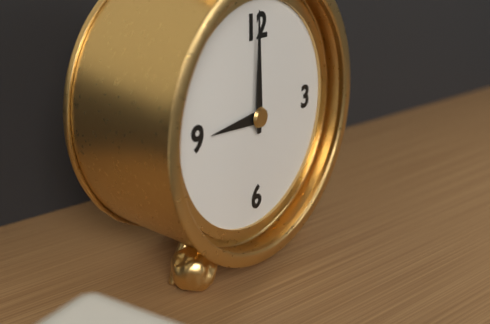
9:00
